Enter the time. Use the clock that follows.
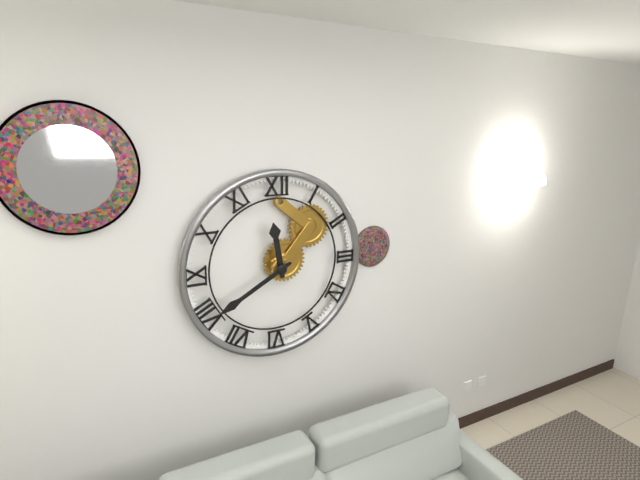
11:40
